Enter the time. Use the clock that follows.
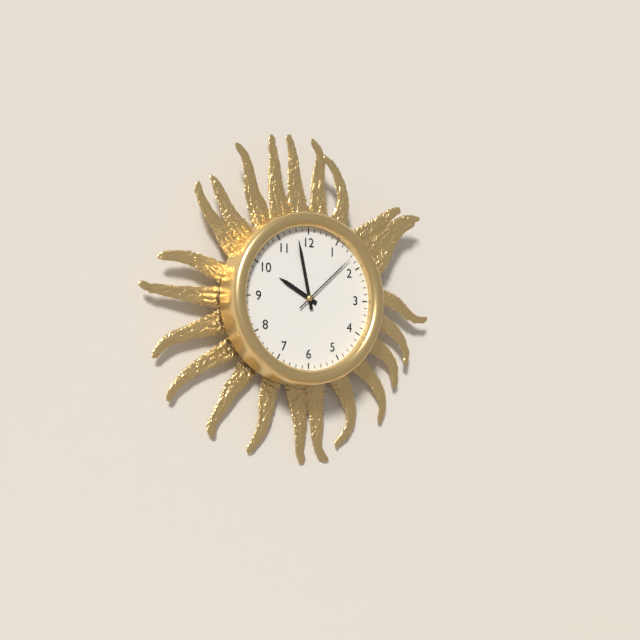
9:58:08
